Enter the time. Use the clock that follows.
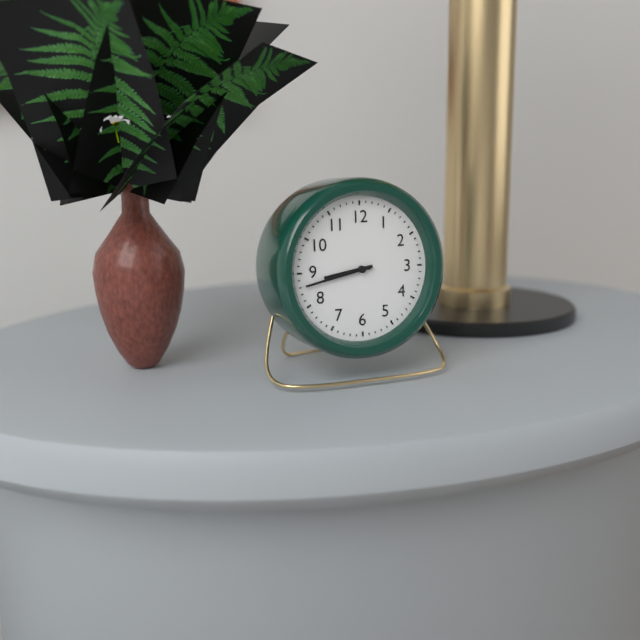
8:43
